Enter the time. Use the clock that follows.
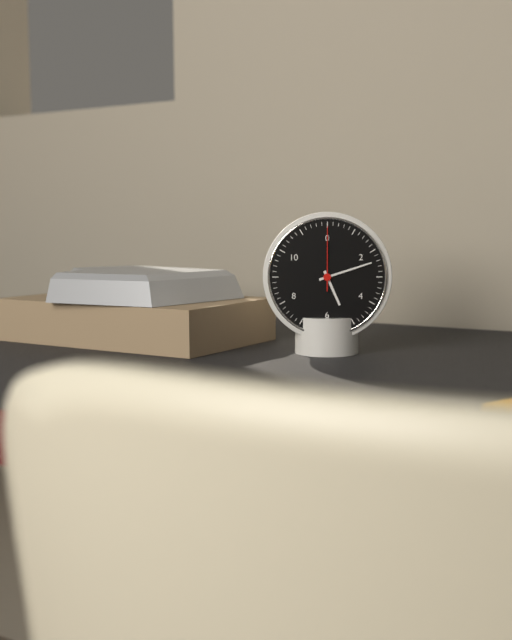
5:12:00
